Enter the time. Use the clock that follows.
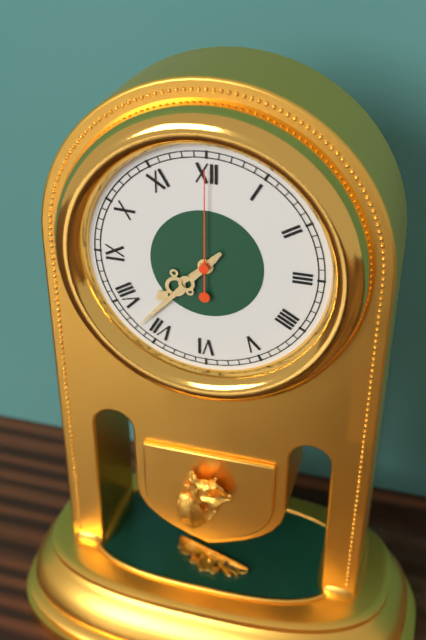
7:37:00
